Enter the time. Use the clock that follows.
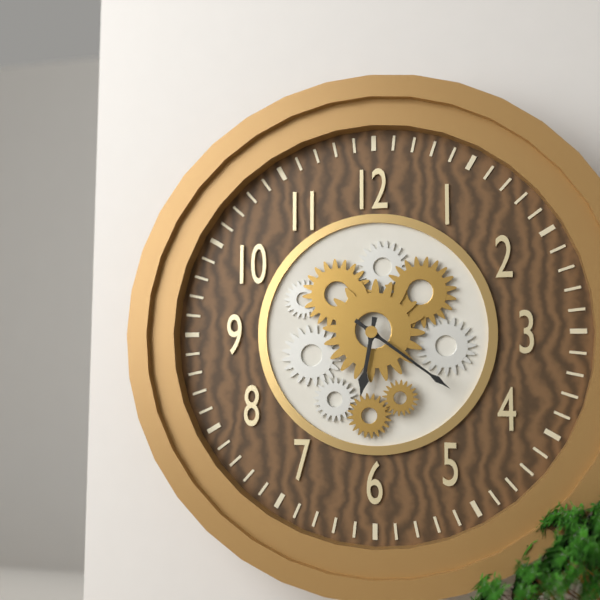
6:21
